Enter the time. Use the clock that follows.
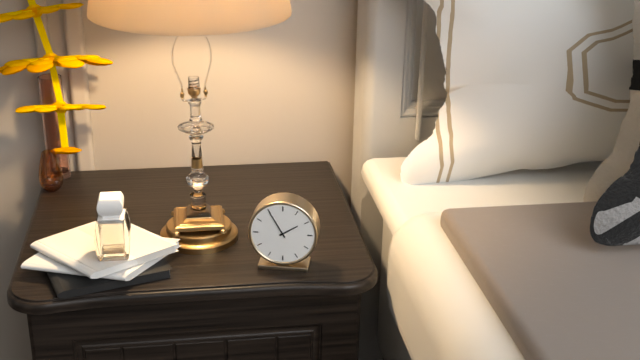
1:55
